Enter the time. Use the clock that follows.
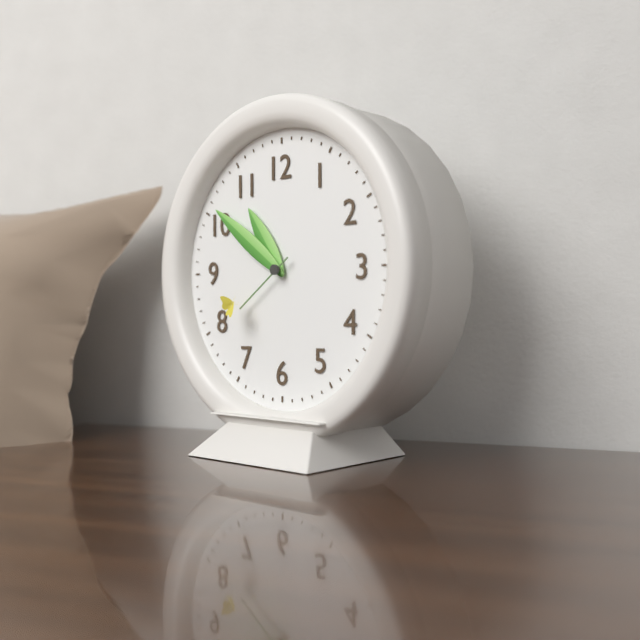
10:51:39
